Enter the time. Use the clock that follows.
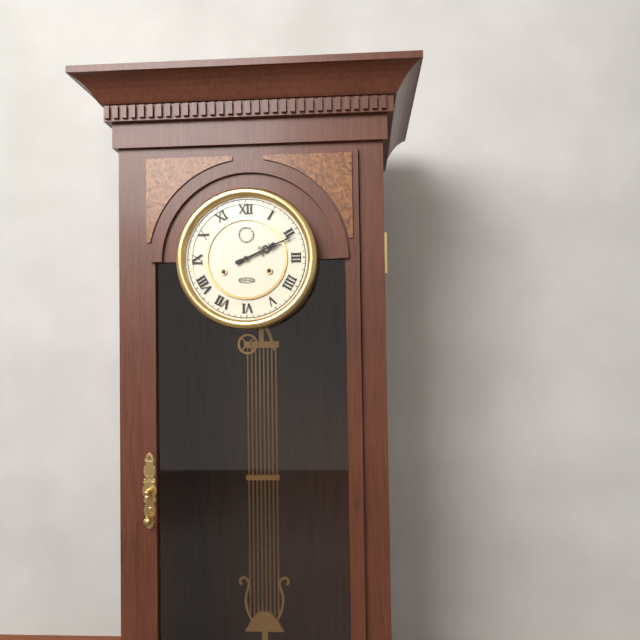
2:11
